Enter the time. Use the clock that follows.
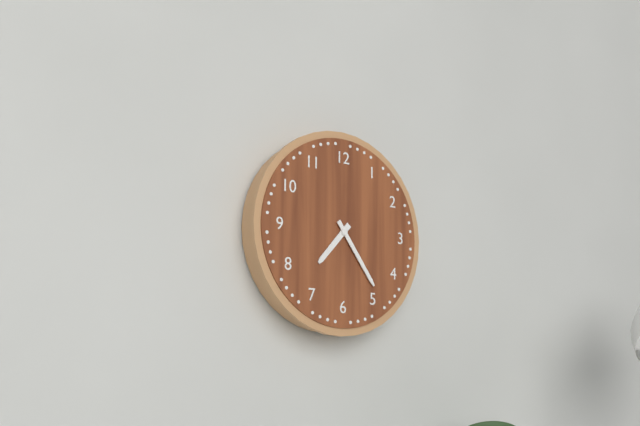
7:24
